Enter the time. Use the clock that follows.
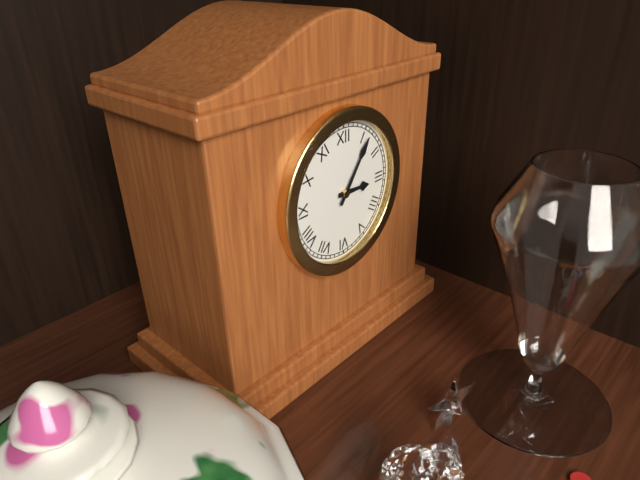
3:06
